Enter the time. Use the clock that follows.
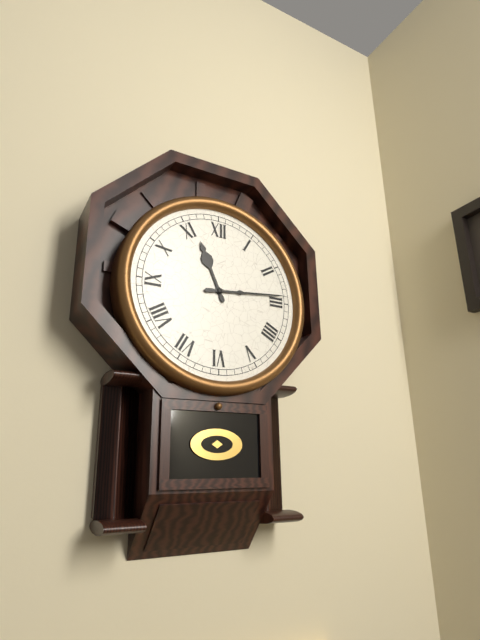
11:14
